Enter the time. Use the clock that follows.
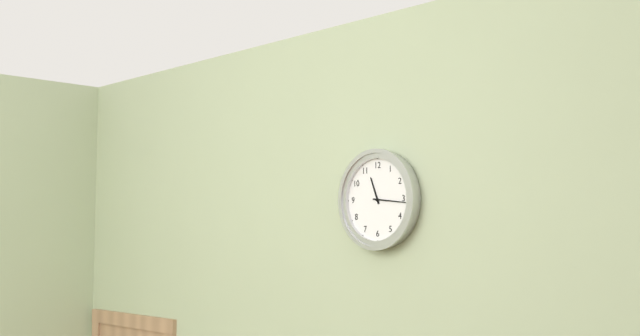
11:16
